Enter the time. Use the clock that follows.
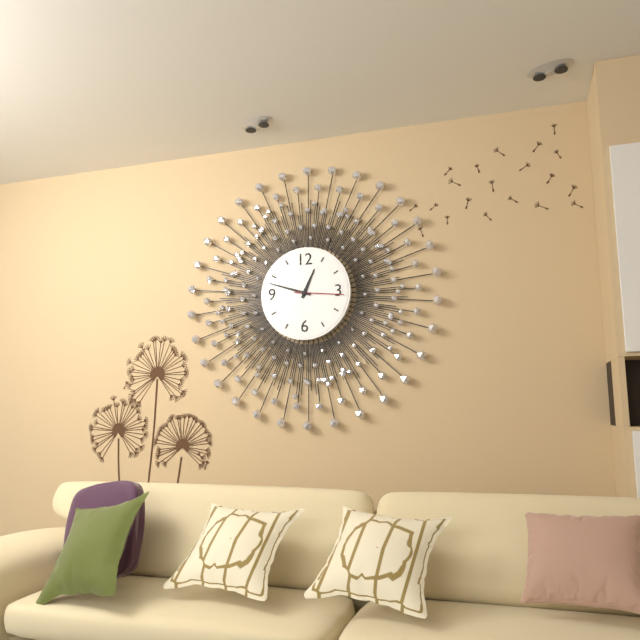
12:48:16
